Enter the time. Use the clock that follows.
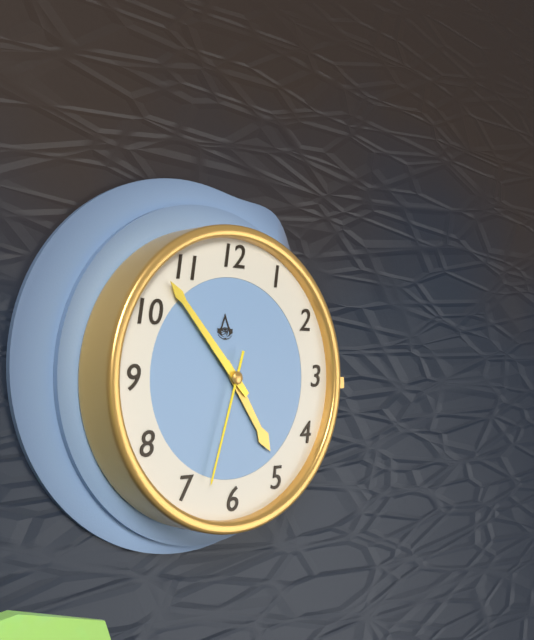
4:53:33
